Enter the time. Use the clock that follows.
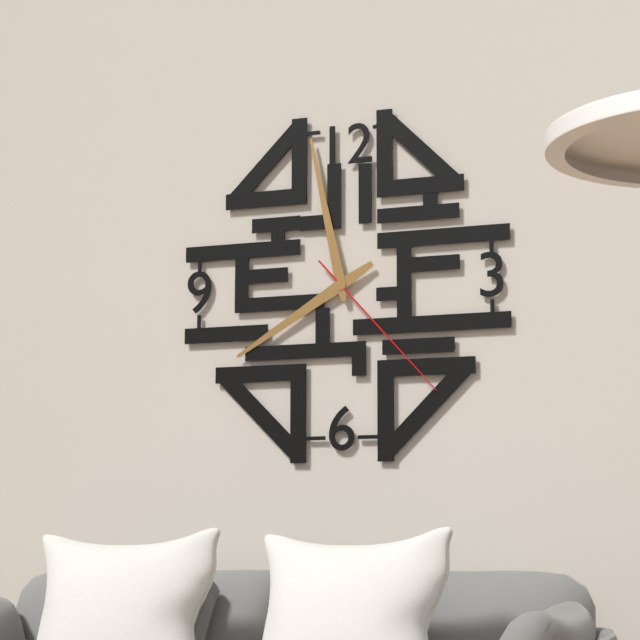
7:58:23
